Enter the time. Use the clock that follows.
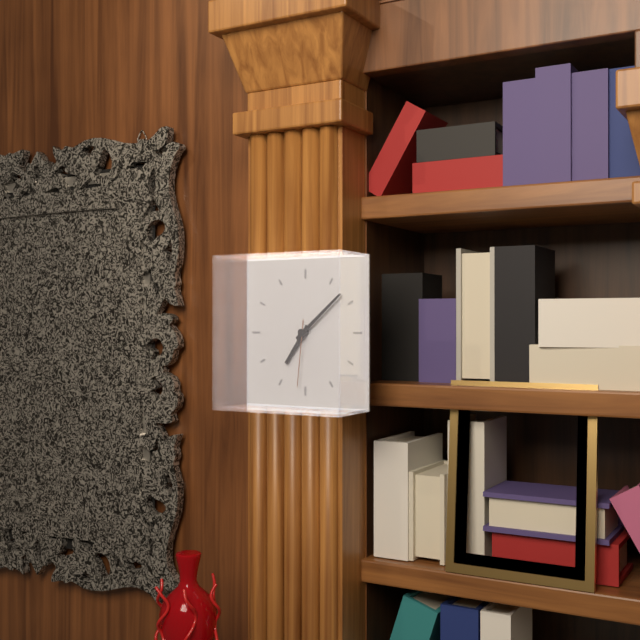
7:08:31
